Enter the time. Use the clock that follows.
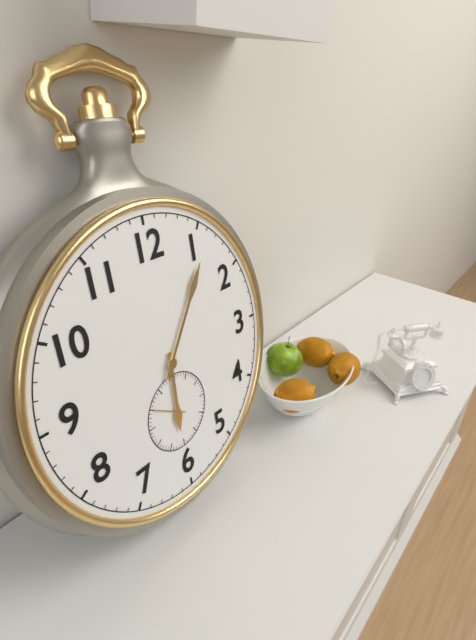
6:06
